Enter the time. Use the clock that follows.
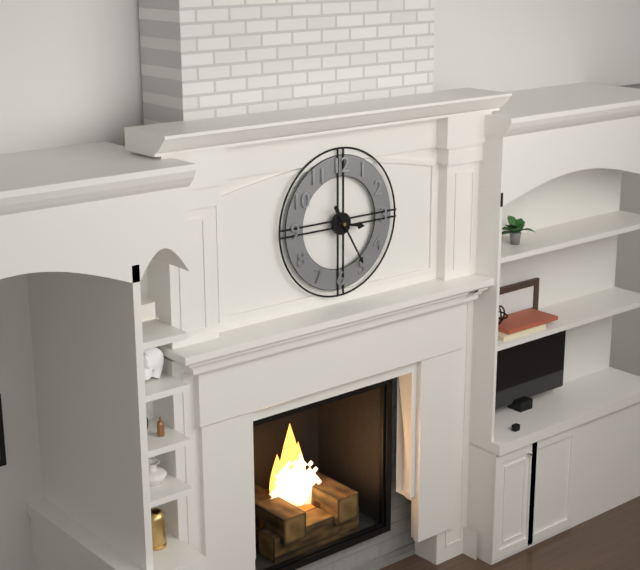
3:25
